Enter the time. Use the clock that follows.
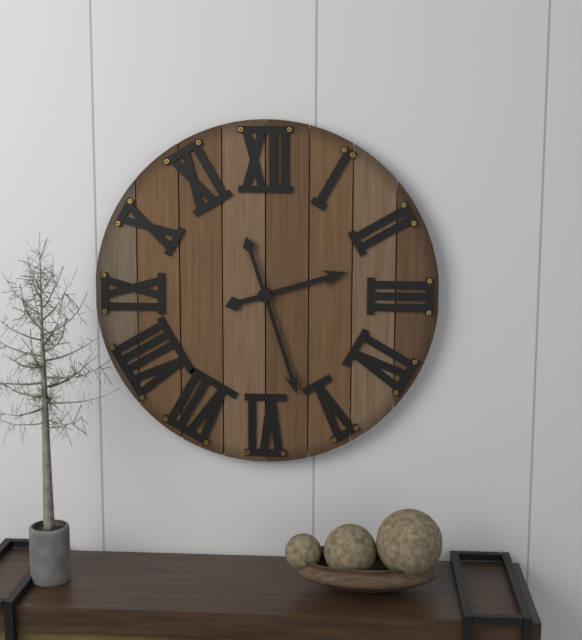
2:27
